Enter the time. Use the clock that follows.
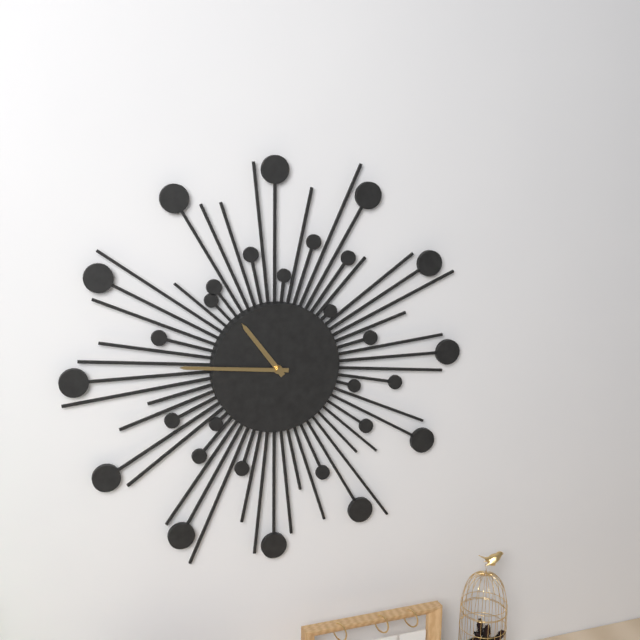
10:46
